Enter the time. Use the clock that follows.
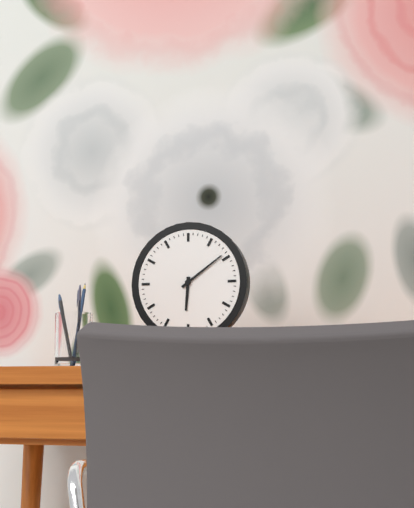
6:09
